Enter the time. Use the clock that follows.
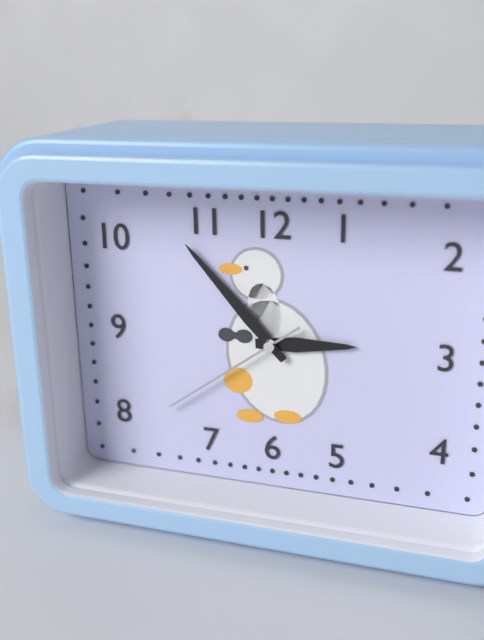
2:53:39
